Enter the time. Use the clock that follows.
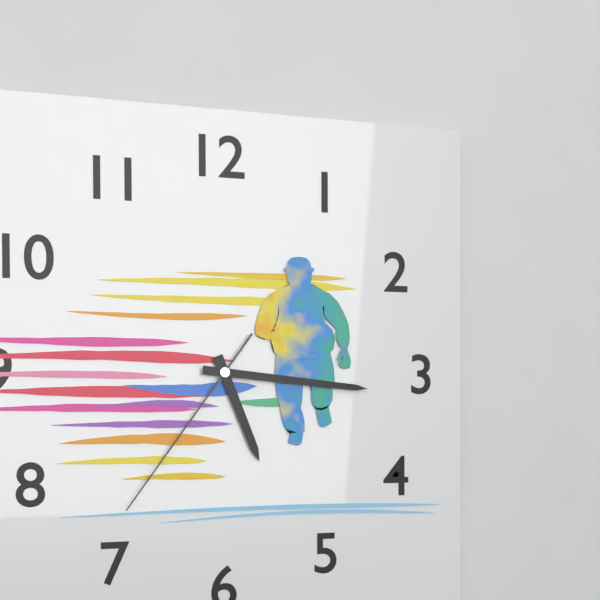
5:16:36
